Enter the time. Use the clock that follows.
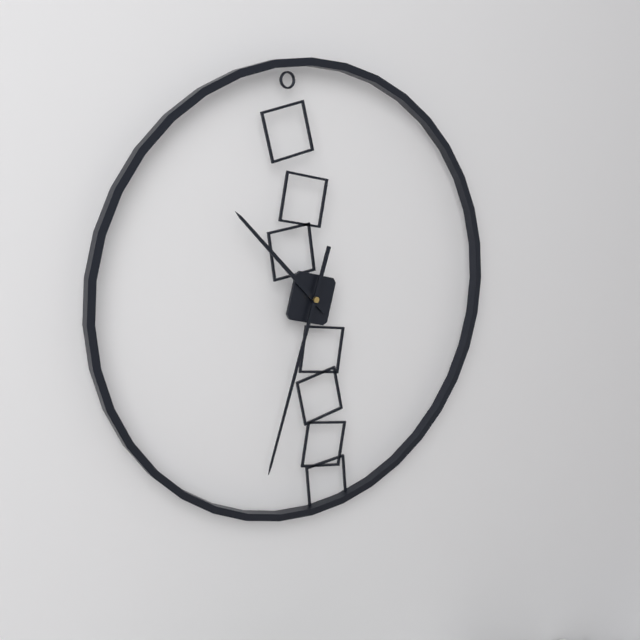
10:33
